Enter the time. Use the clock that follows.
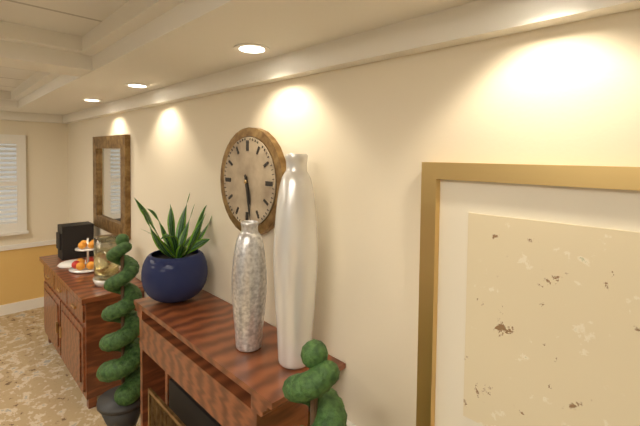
5:28
